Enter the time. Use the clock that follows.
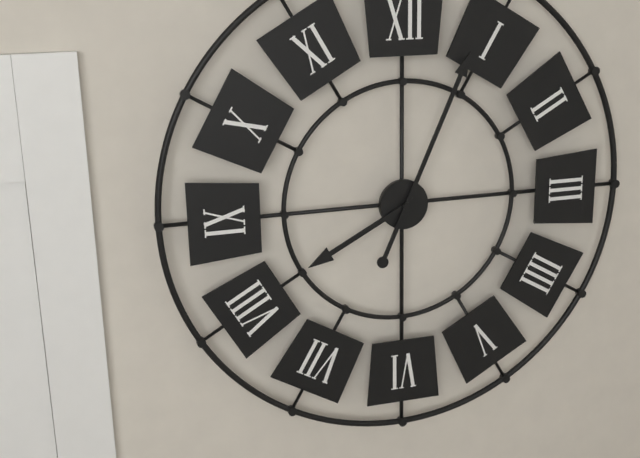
8:04
